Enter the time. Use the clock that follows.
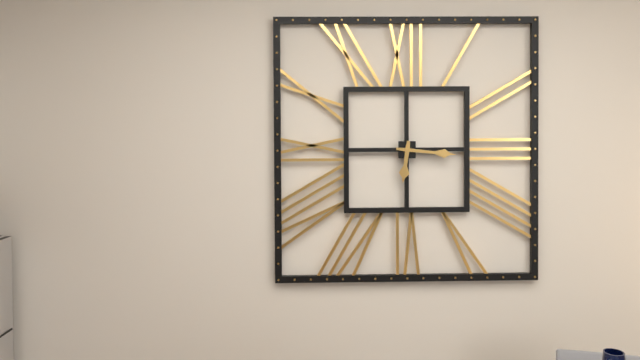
6:16
